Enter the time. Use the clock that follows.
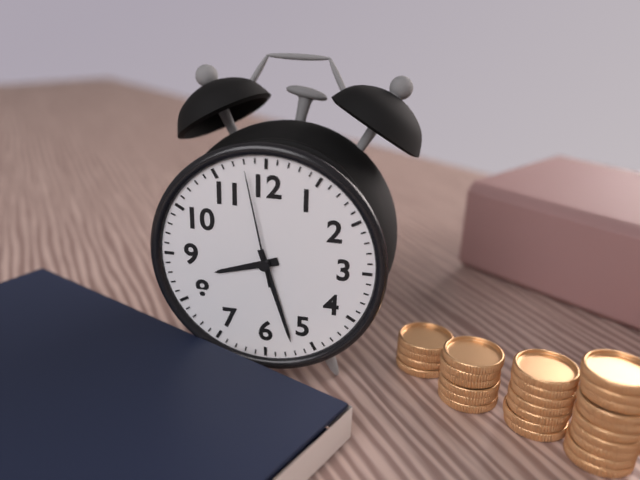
8:27:58
